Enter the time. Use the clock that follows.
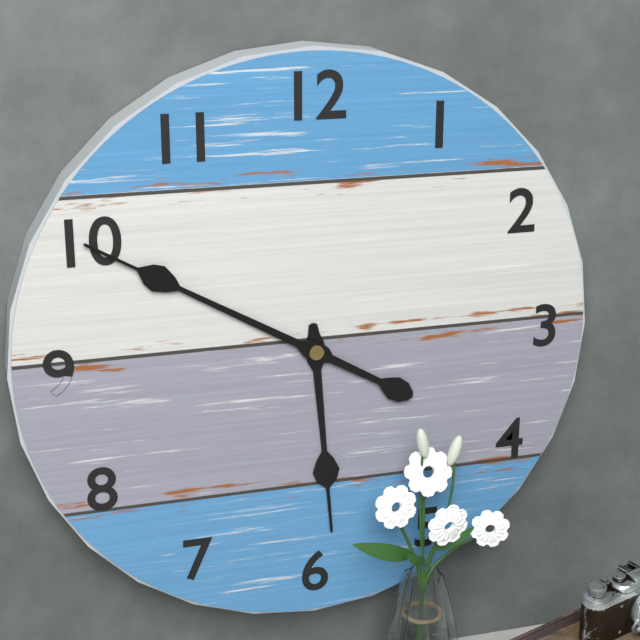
5:50
